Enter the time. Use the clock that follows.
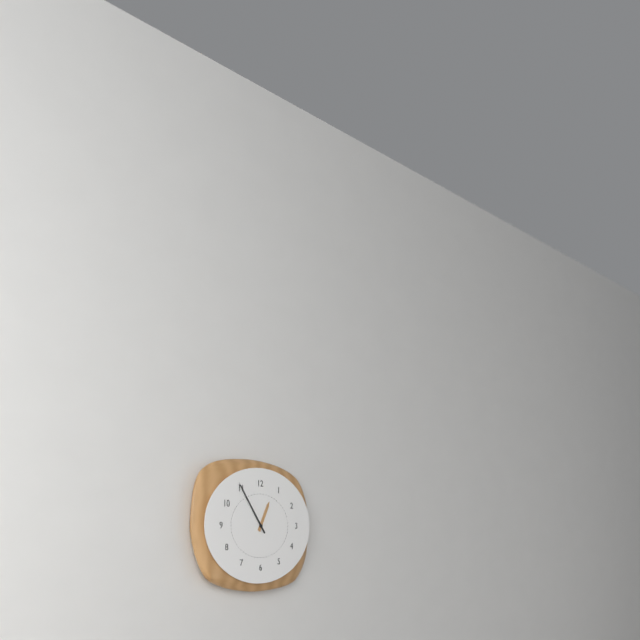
12:54
